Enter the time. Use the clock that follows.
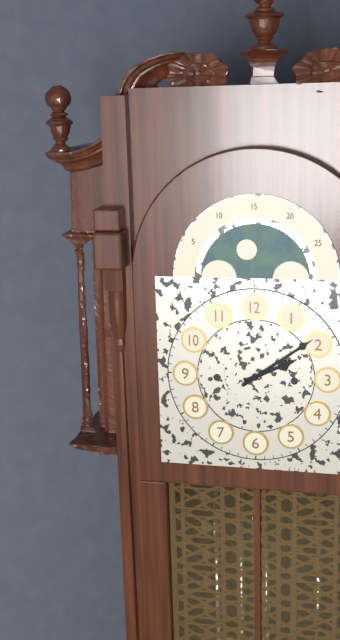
2:09
